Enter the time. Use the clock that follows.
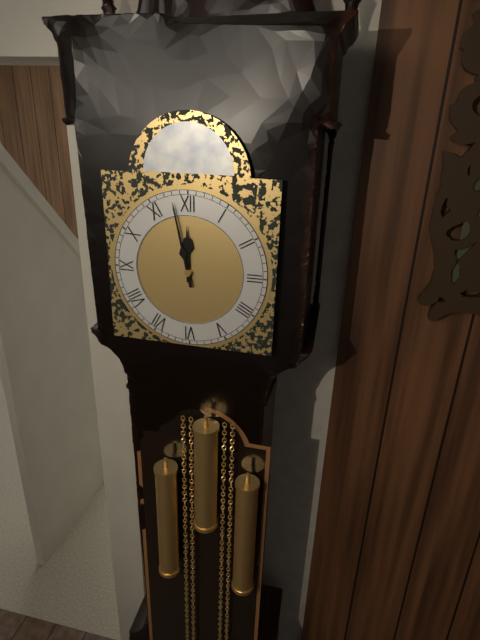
11:58
